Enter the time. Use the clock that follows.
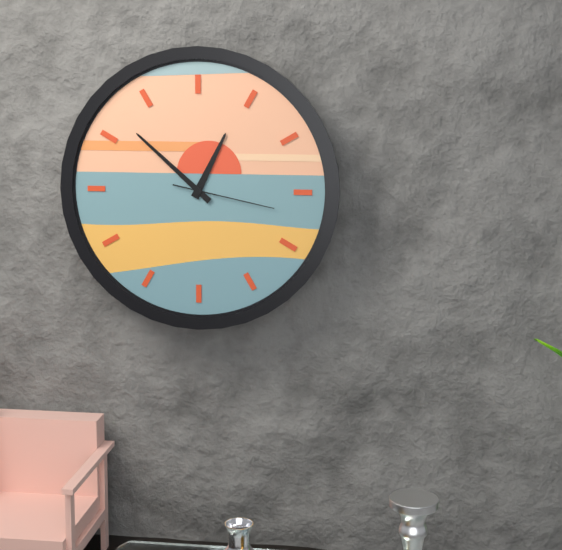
12:52:17
